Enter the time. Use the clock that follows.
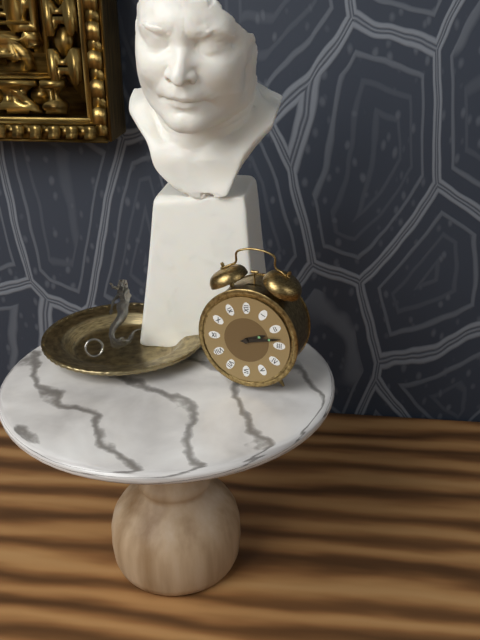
2:13
